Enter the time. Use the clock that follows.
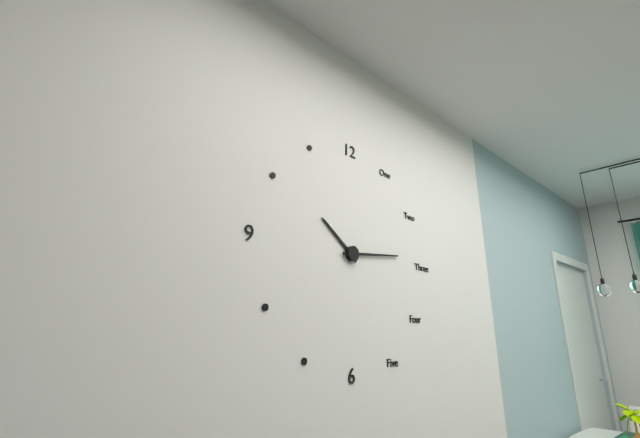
10:14
